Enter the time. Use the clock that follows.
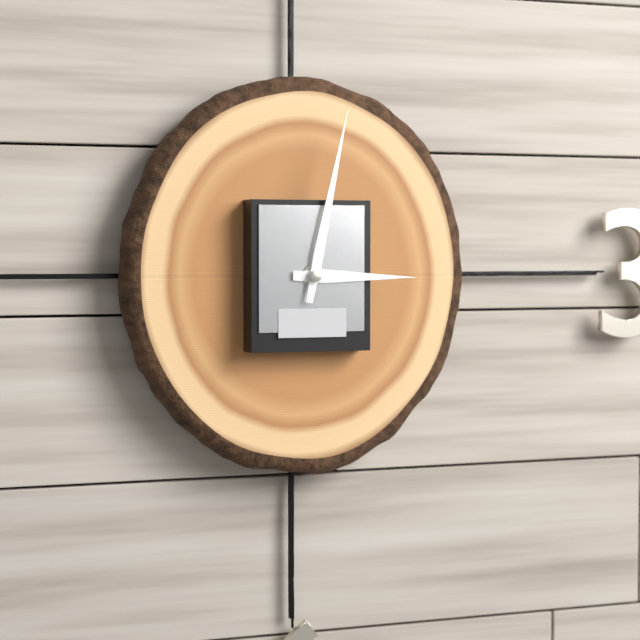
3:02
